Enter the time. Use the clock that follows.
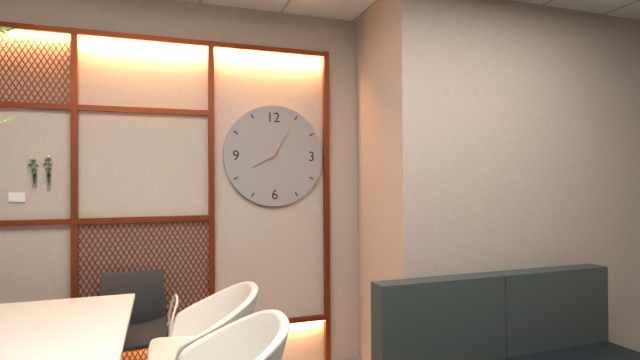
8:05
